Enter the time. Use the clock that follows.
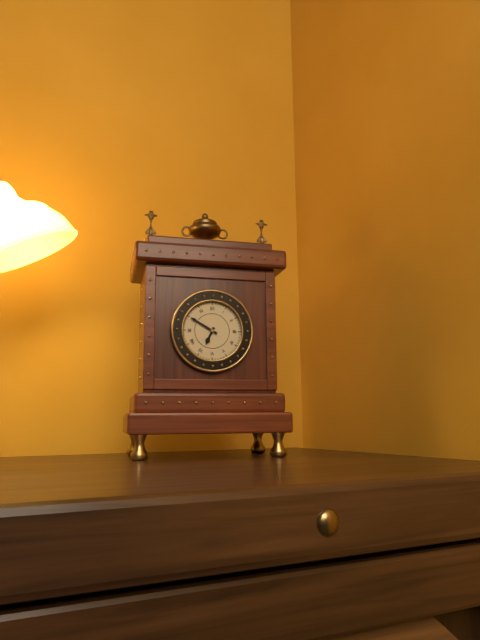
6:50
